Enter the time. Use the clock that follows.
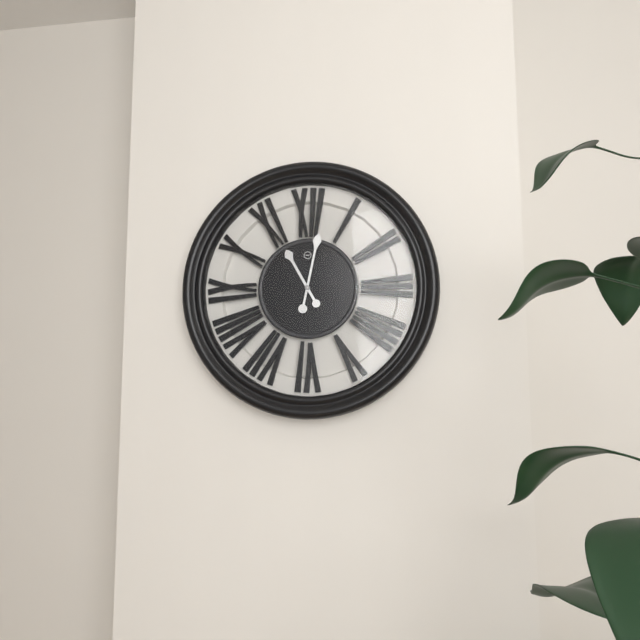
11:02
